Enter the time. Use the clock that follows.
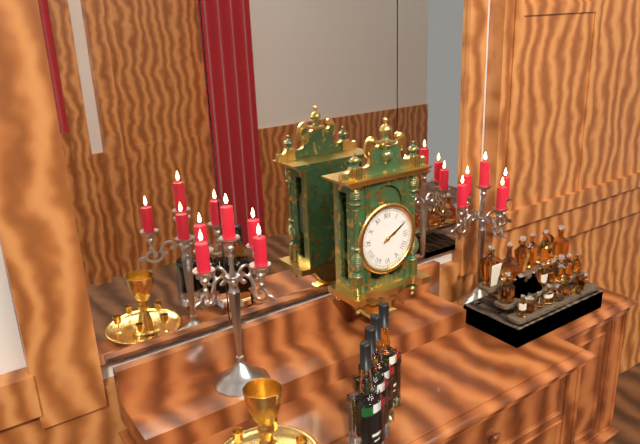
2:10
